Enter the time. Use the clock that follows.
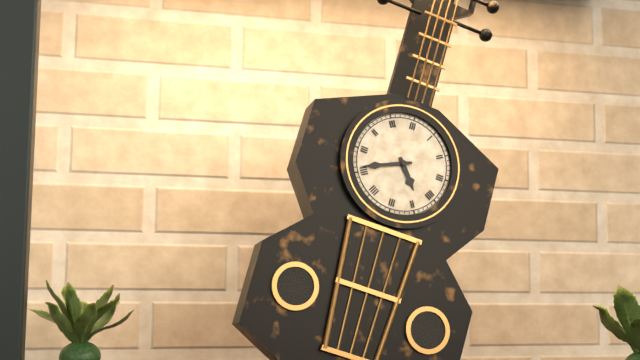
4:41
